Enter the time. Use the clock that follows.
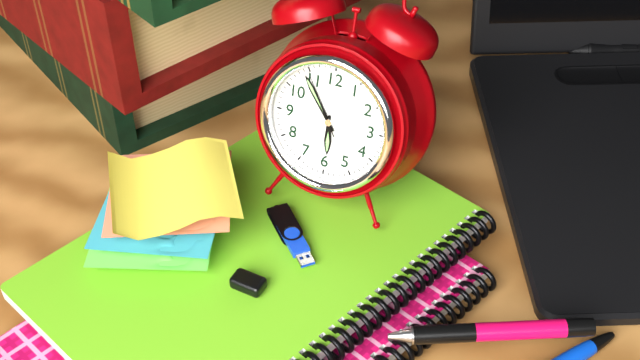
5:54:55
